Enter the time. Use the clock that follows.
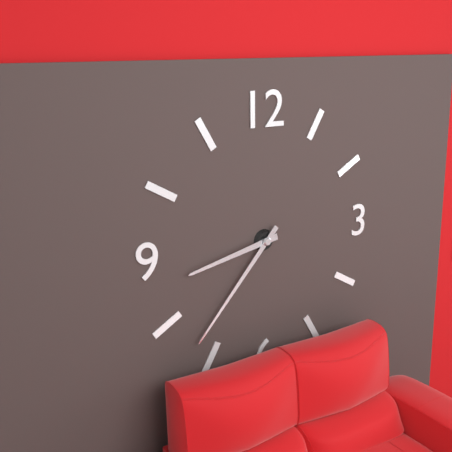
8:37
